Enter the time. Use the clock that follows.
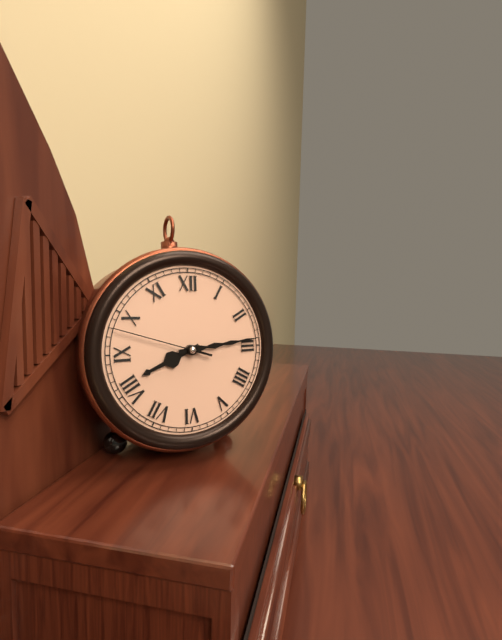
8:14:48
